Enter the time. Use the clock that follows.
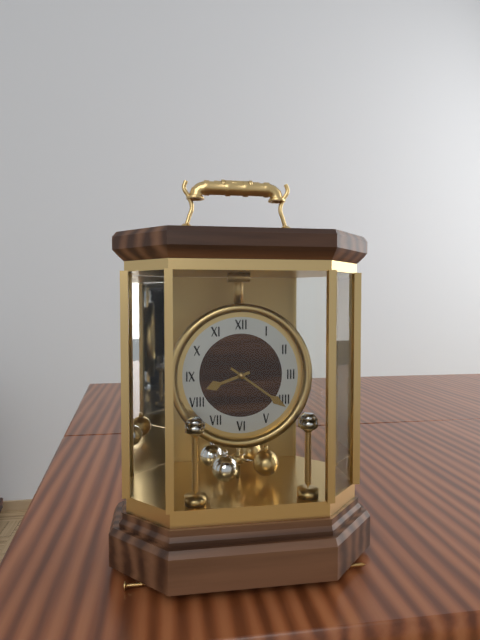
8:21
